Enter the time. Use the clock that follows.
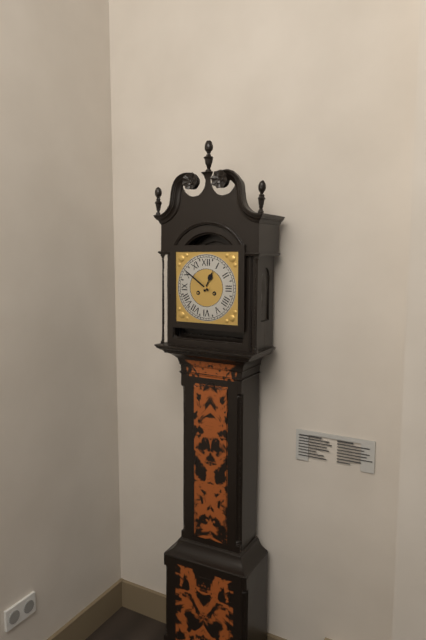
12:51
